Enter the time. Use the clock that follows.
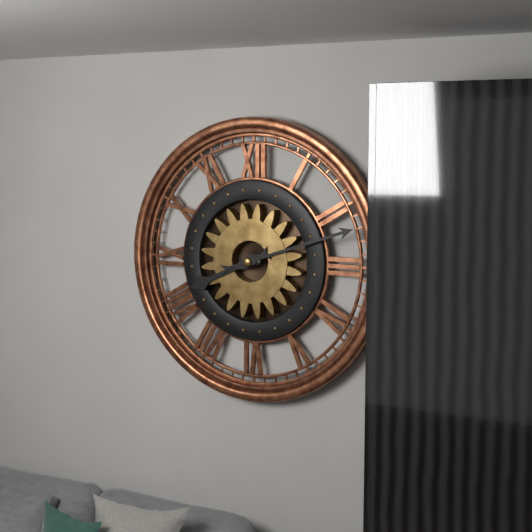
8:12
